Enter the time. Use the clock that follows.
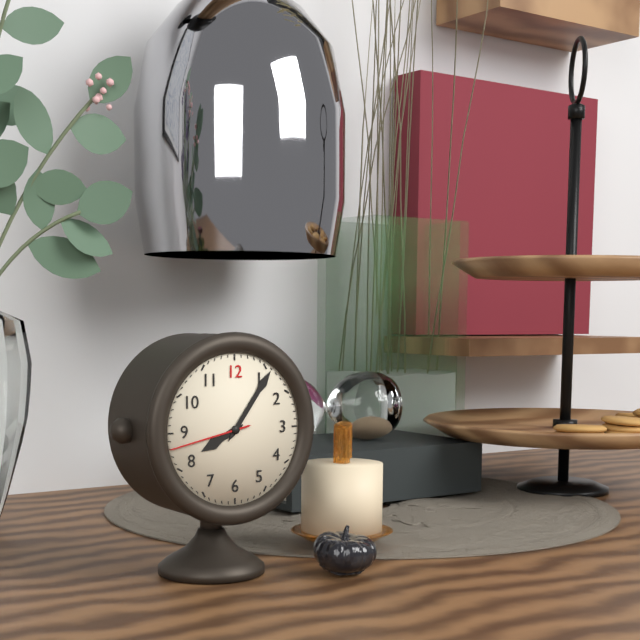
8:06:43
